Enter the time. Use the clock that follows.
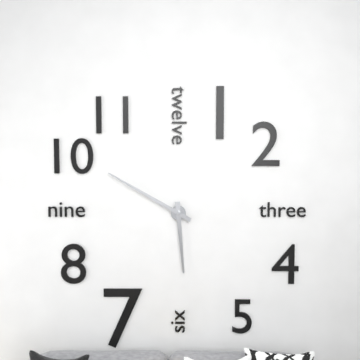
5:50
